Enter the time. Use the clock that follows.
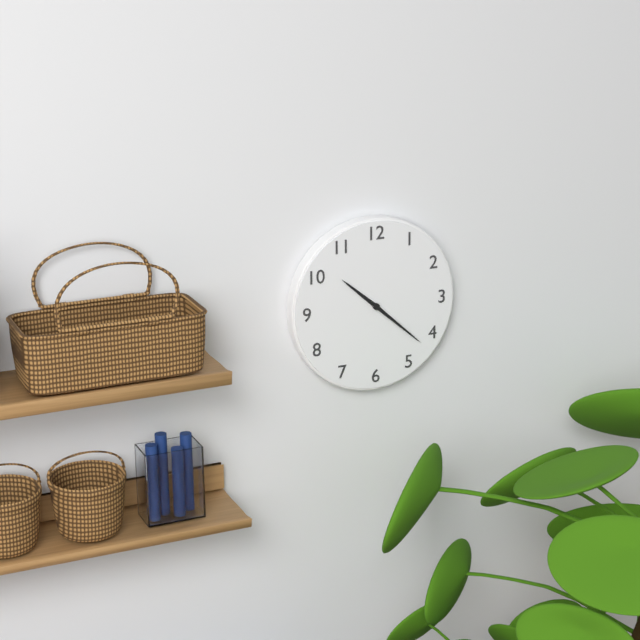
10:22
